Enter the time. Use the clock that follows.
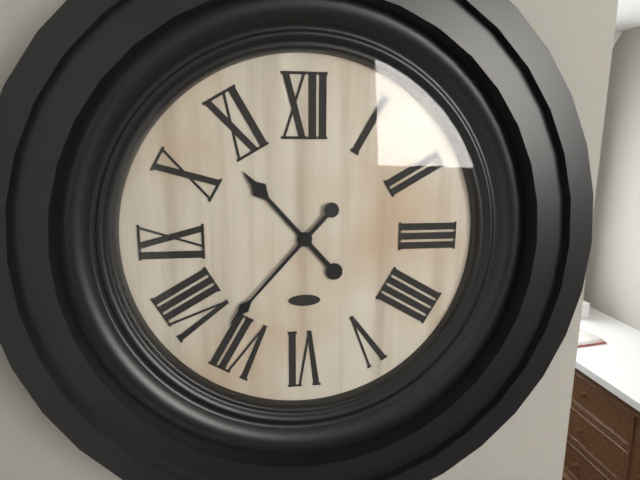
10:37
